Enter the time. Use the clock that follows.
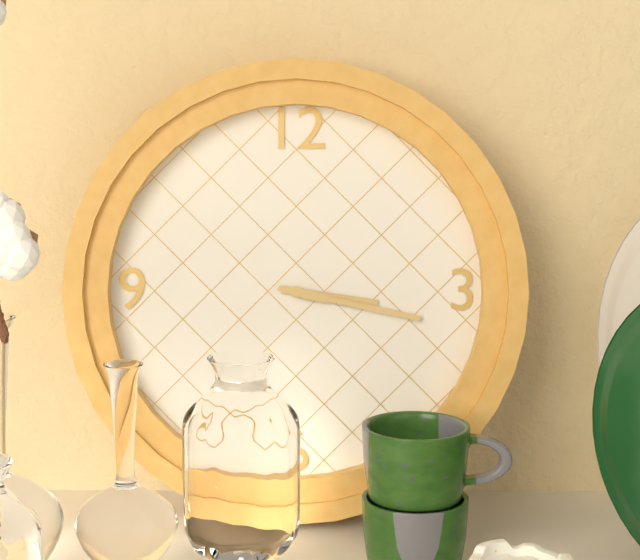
3:17
